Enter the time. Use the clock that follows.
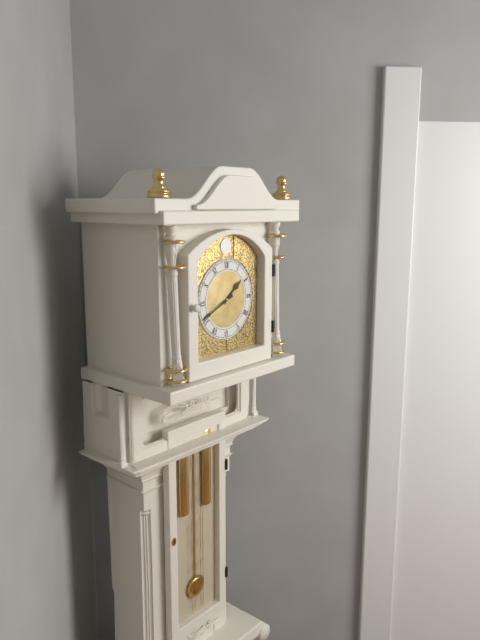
1:41
